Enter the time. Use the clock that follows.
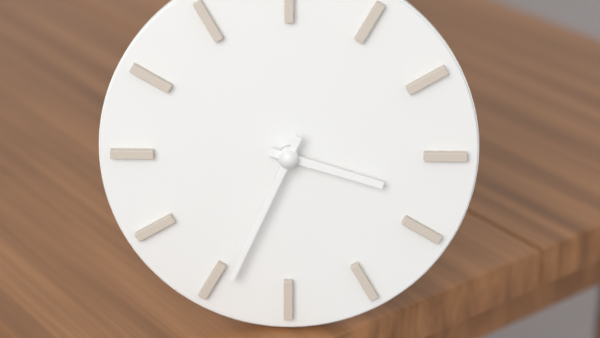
3:34
